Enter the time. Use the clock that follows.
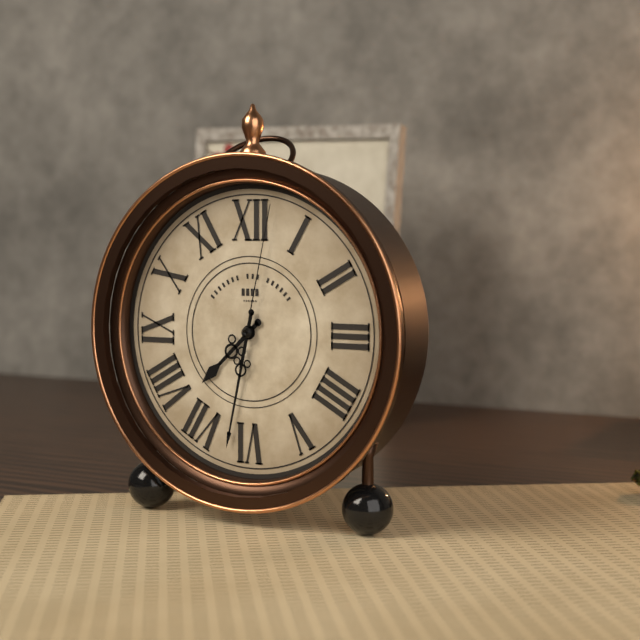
7:32:02
